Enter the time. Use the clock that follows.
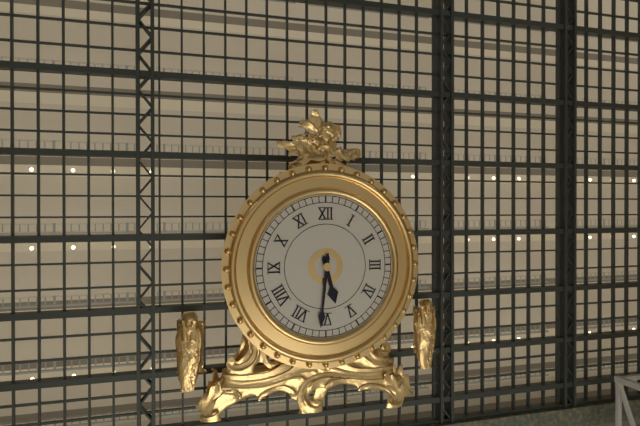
5:31
